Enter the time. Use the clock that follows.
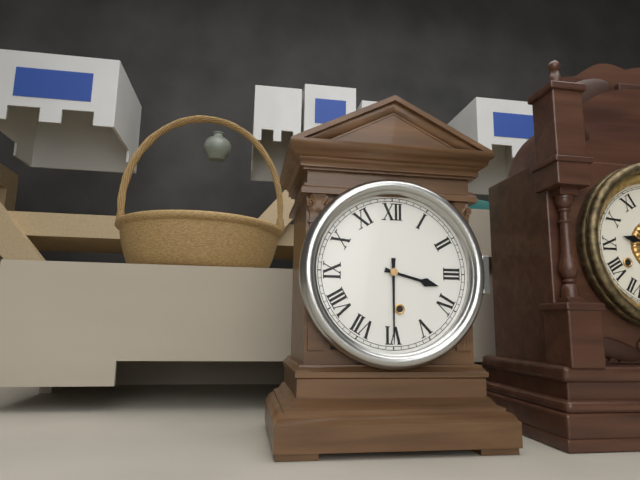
3:30
